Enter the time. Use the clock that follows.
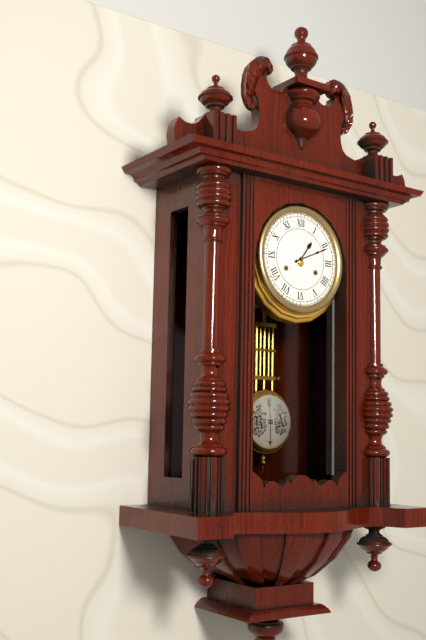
1:11
